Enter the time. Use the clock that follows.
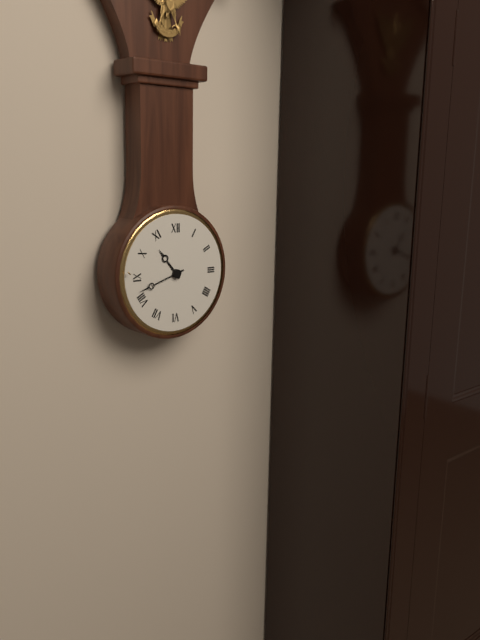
10:42
